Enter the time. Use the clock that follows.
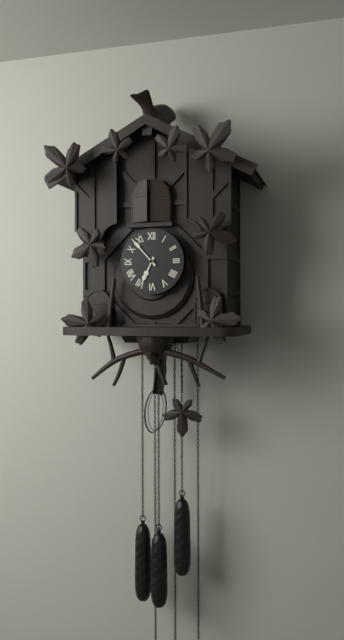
6:53
